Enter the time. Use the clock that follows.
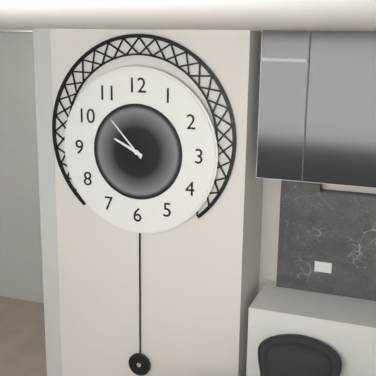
9:53
